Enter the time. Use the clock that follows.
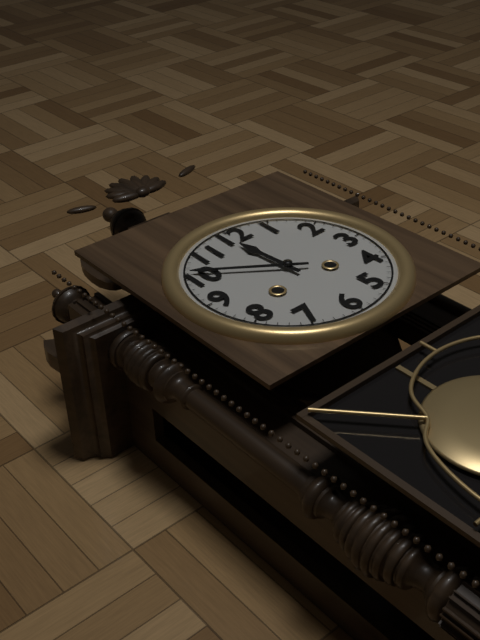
11:51
